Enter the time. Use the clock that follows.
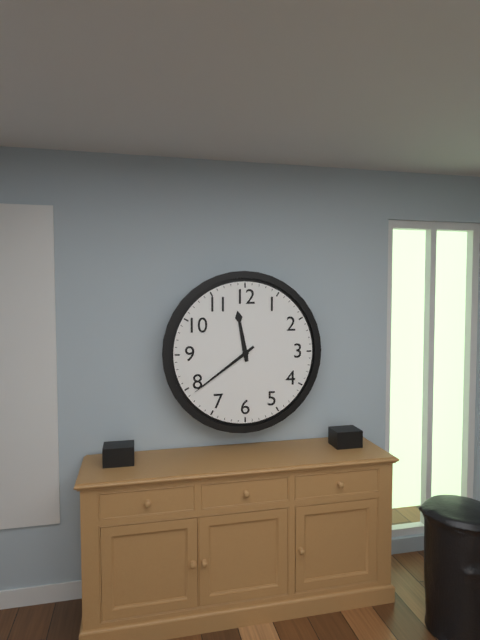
11:39
